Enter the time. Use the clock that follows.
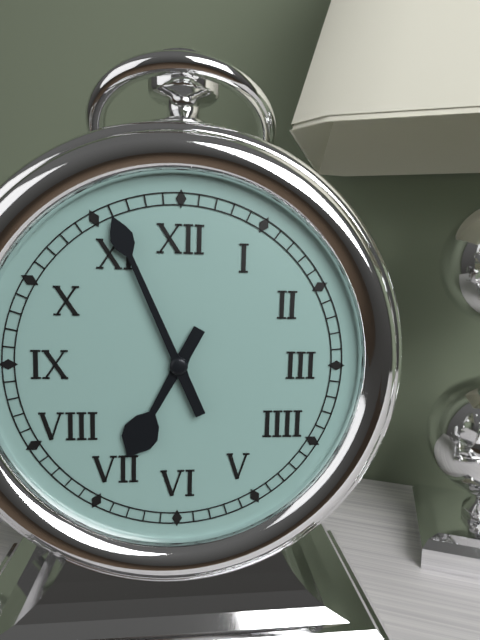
6:56
